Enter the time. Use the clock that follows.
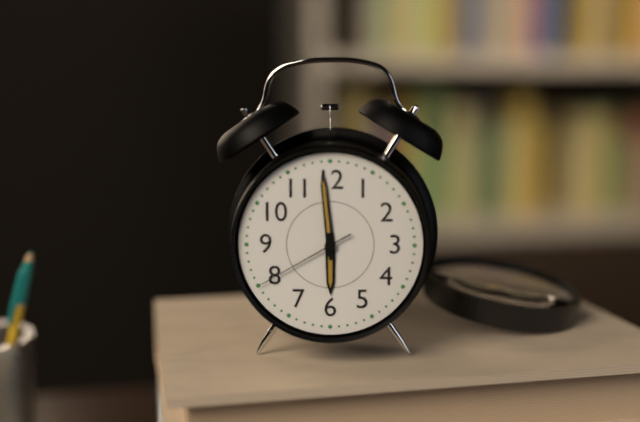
5:59:40
